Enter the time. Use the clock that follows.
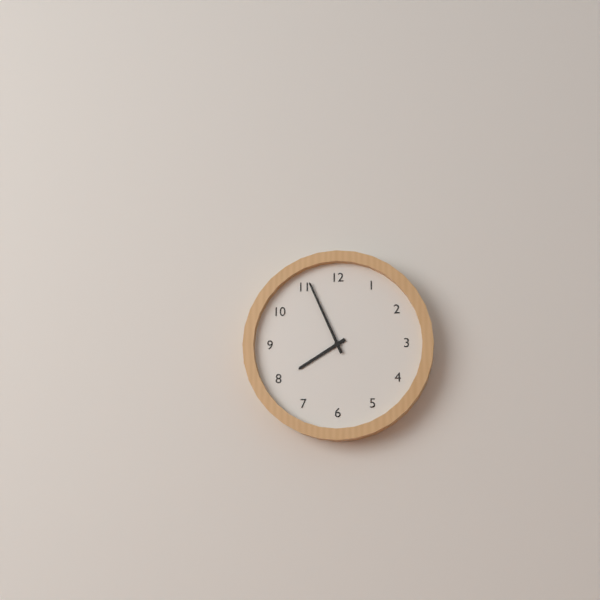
7:56
